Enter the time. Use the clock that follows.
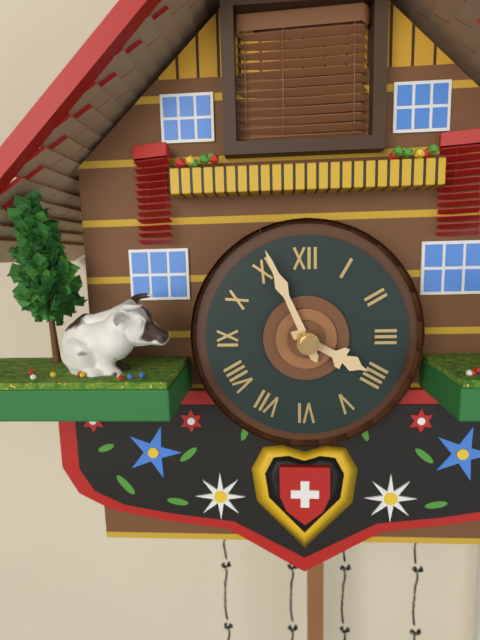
3:56
